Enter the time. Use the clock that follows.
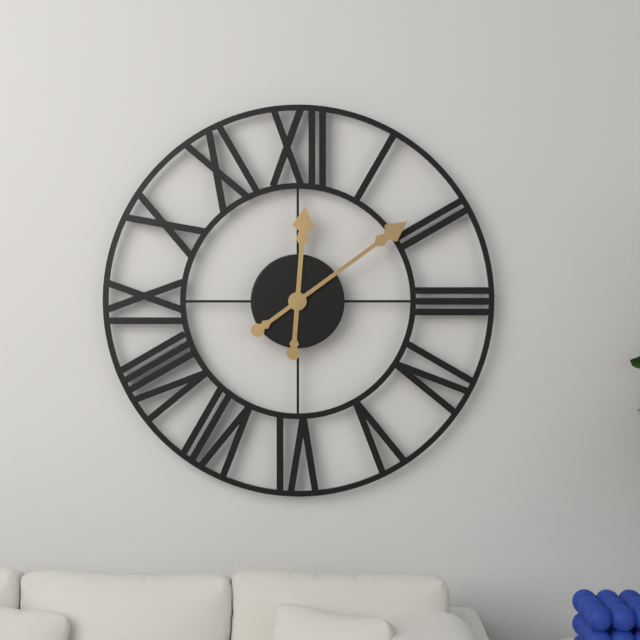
12:09
